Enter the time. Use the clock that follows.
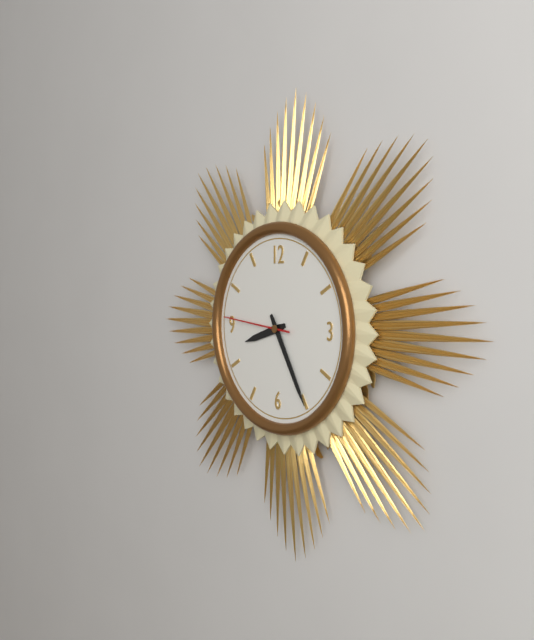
8:25:46
